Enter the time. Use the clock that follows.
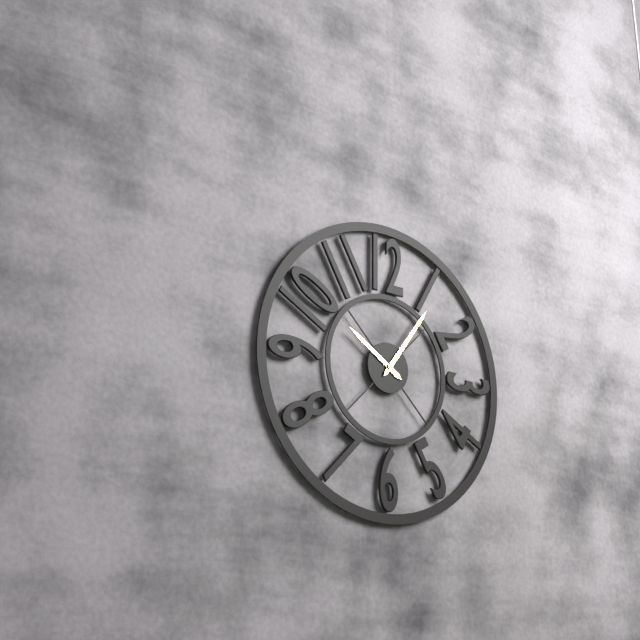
10:06
